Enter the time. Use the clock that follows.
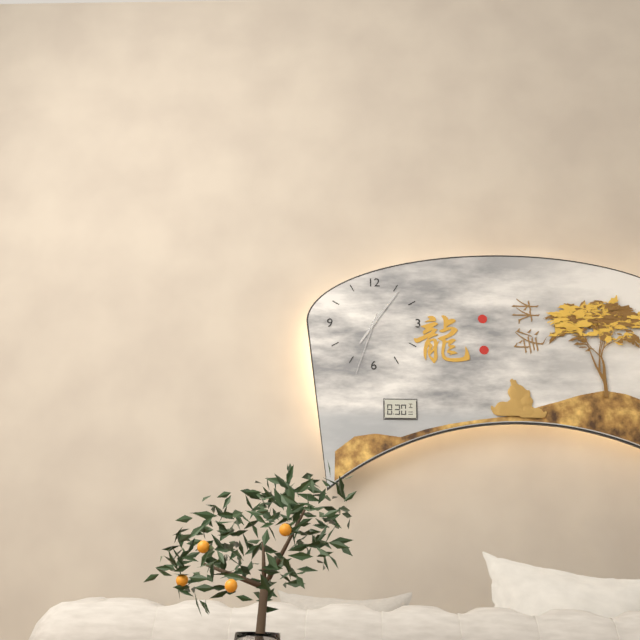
7:06:33
